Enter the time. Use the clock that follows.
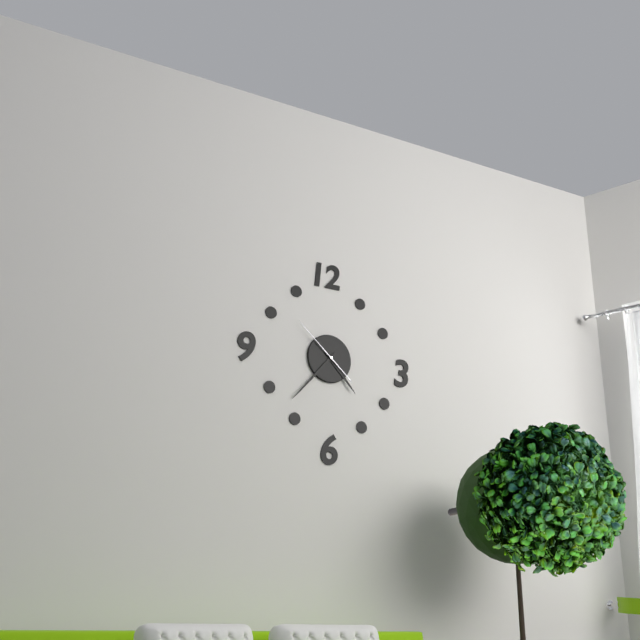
4:37:52
